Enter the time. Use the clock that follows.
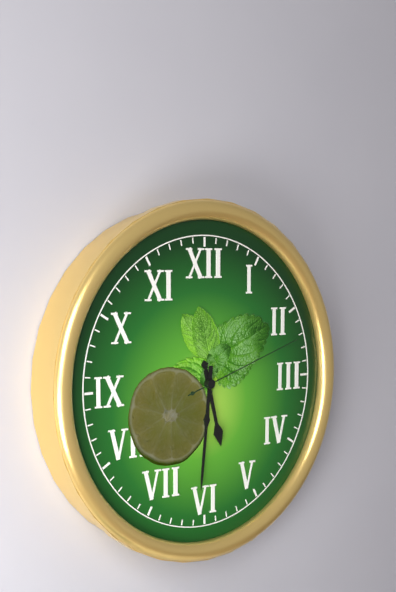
5:31:12
